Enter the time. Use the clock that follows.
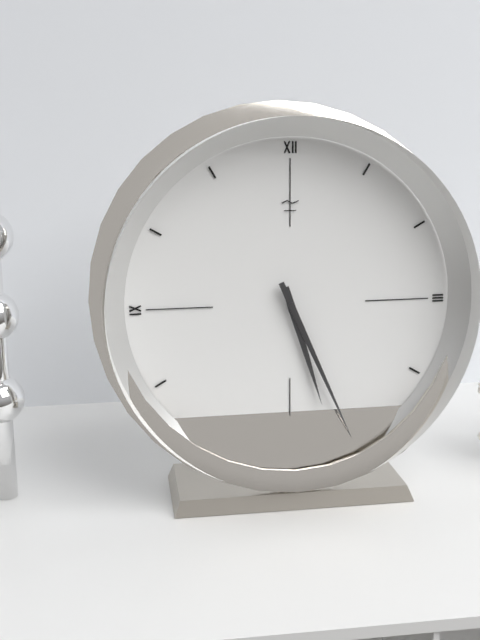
5:26
